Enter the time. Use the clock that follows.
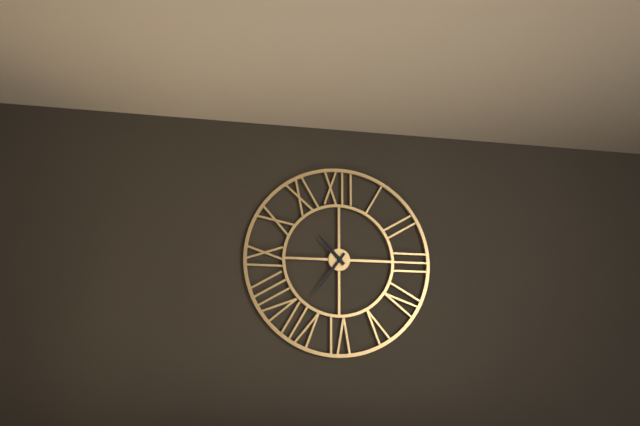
10:36
